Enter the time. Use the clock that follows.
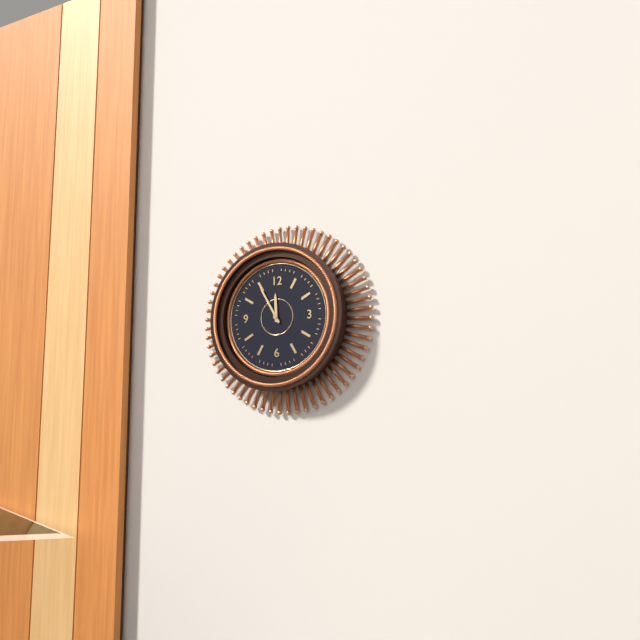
11:55
